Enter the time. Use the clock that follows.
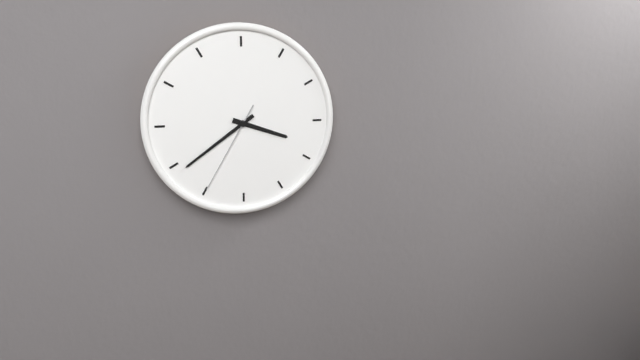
3:39:35
